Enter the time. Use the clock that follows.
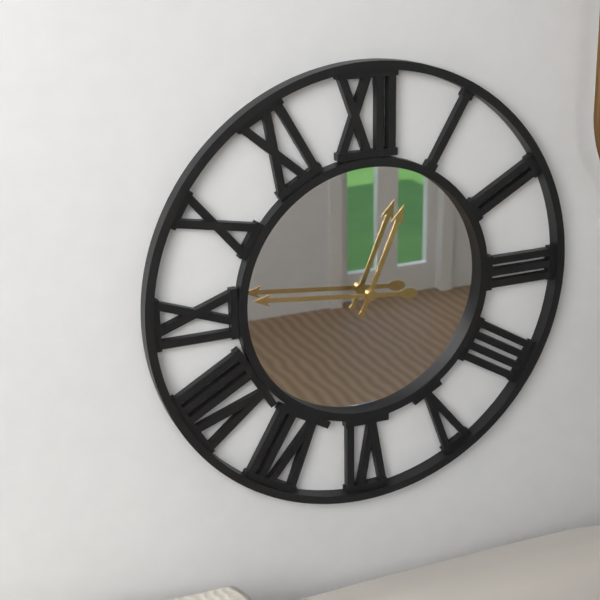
12:46
